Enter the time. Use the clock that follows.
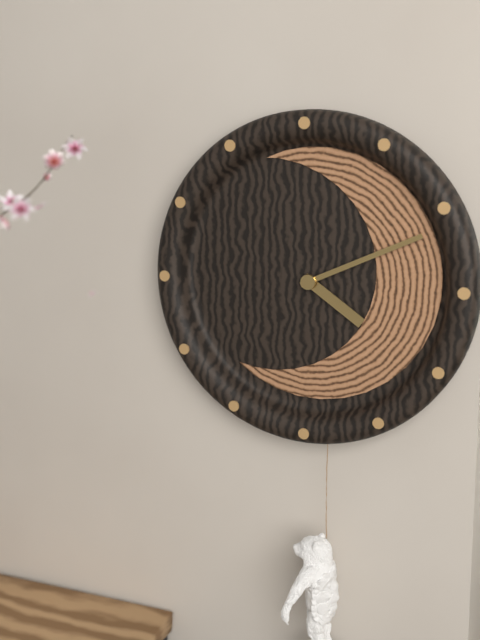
4:11
